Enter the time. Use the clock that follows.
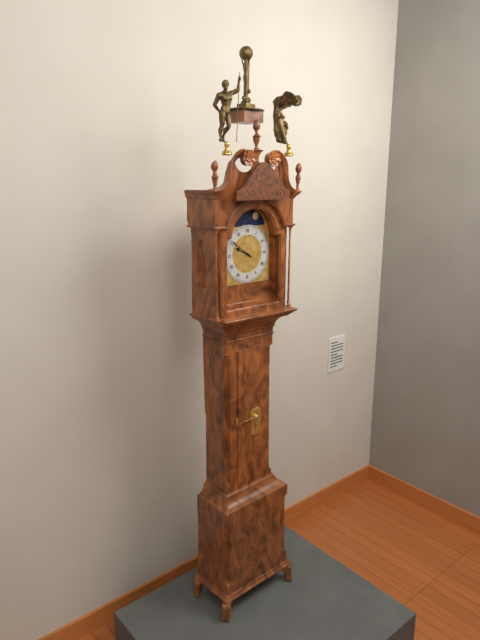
9:51
